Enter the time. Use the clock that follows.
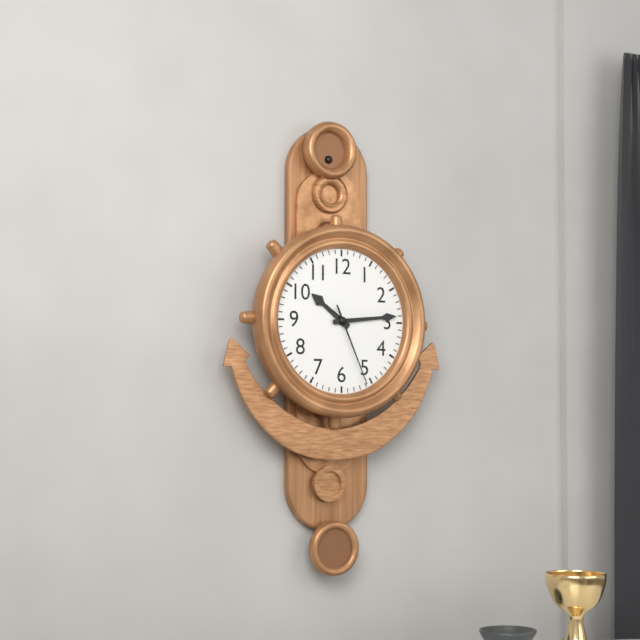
10:14:26
